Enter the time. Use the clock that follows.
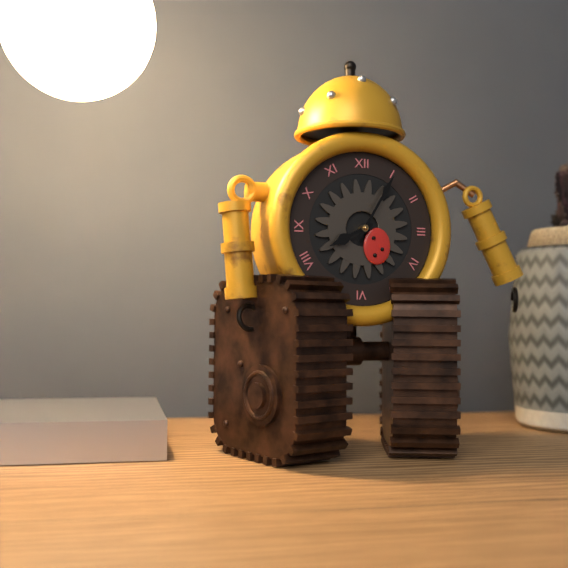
8:05
